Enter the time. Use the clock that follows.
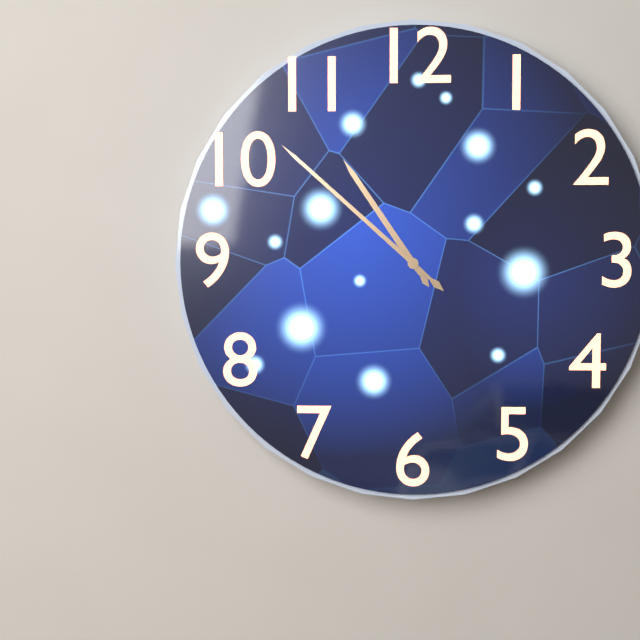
10:52
